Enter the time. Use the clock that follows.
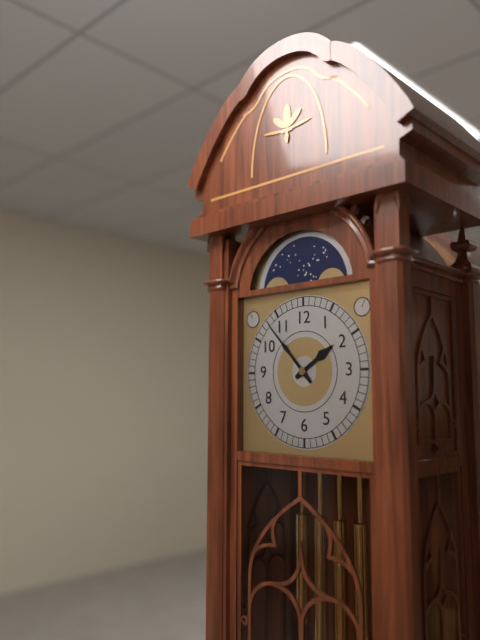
1:53
